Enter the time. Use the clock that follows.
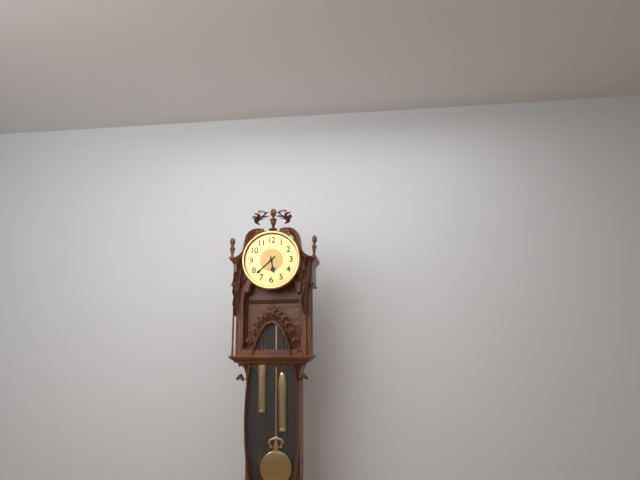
5:38
